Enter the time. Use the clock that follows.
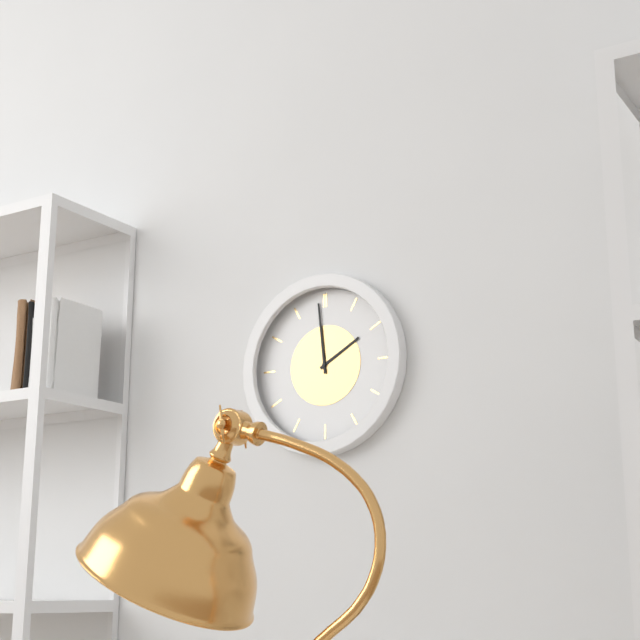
1:59
